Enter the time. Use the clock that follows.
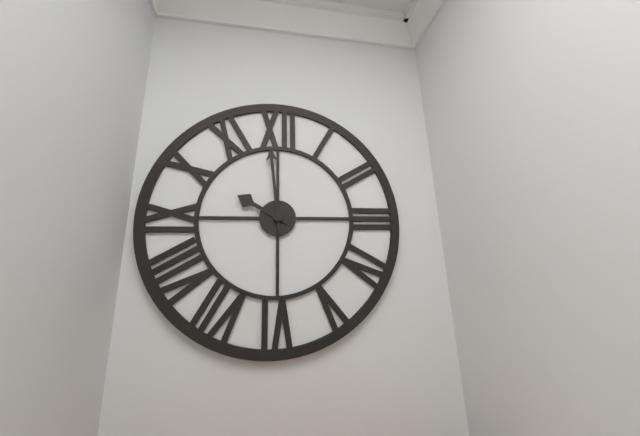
9:59
